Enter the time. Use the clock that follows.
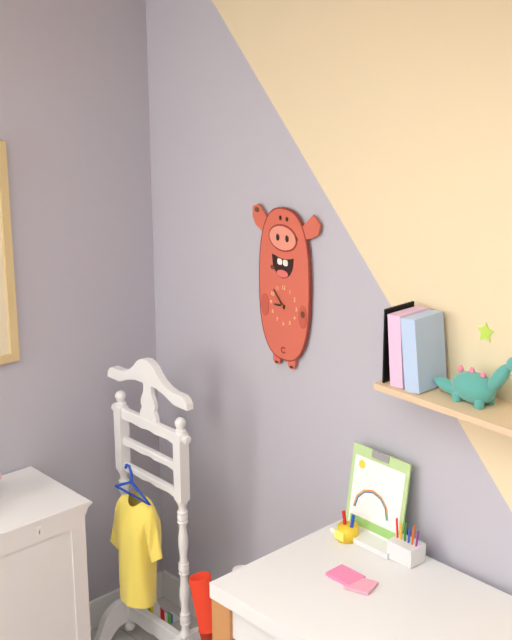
8:53
